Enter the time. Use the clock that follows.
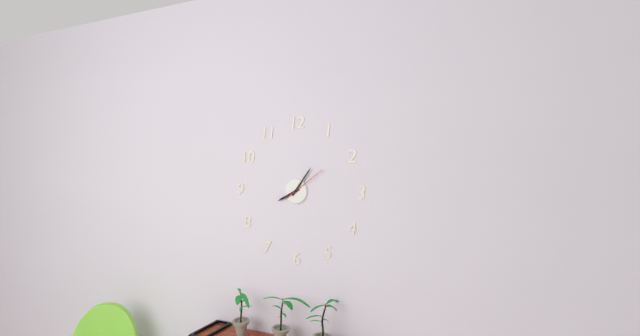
8:06
